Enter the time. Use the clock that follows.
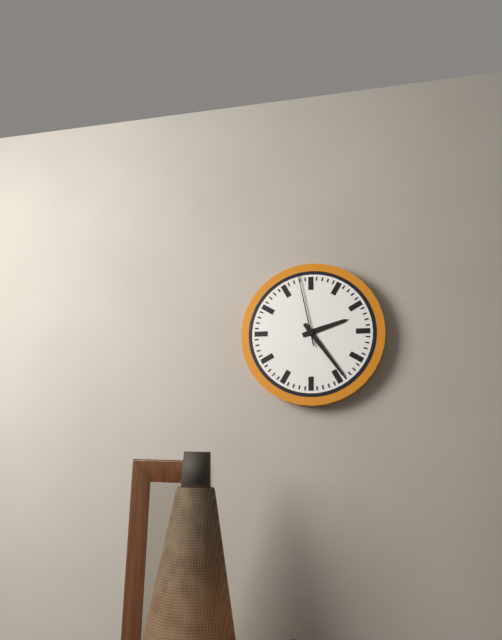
2:24:58
